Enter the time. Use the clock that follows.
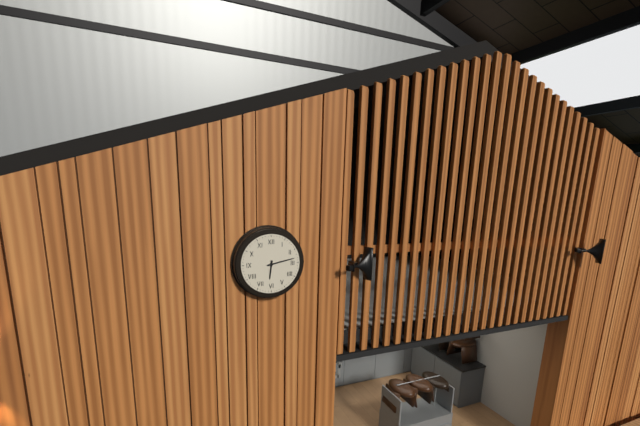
6:13
